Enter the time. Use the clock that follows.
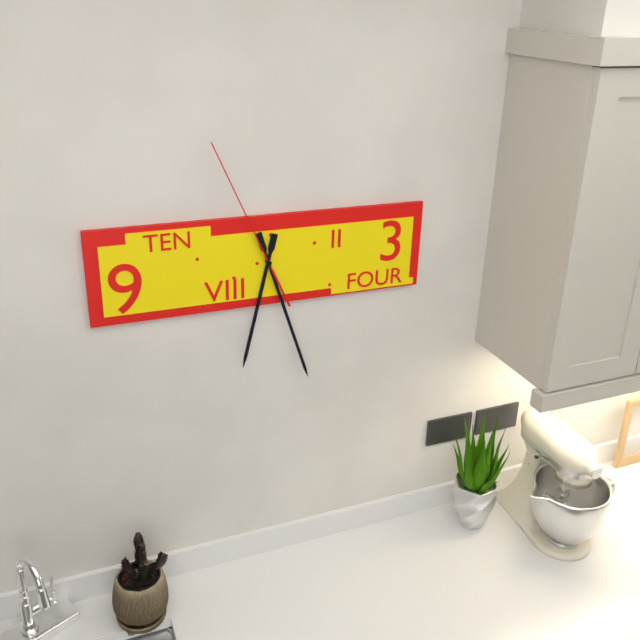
6:27:56
